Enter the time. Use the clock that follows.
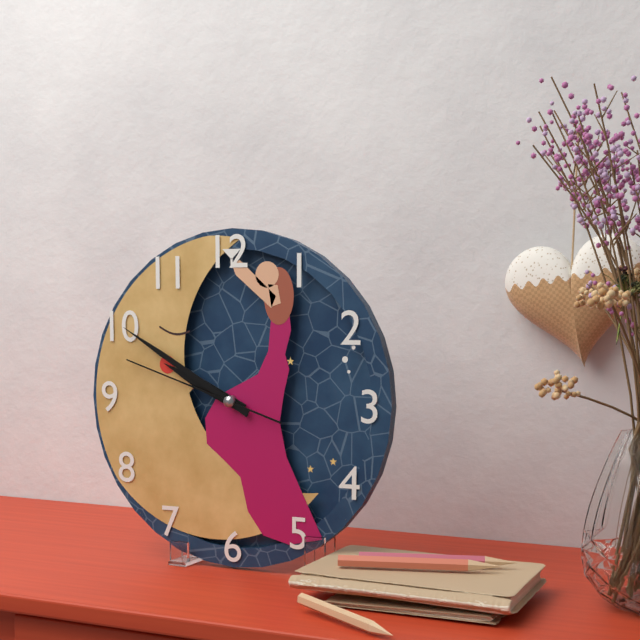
9:50:48
